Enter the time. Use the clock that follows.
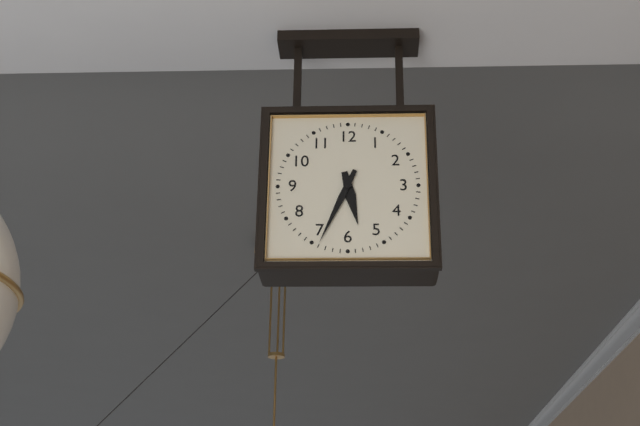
5:34
